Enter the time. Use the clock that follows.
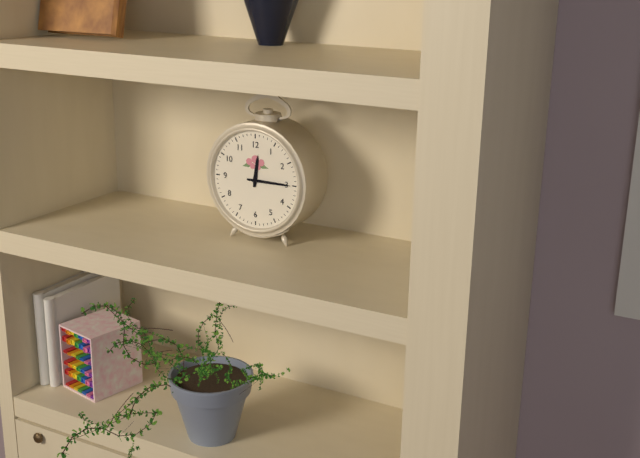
12:15
